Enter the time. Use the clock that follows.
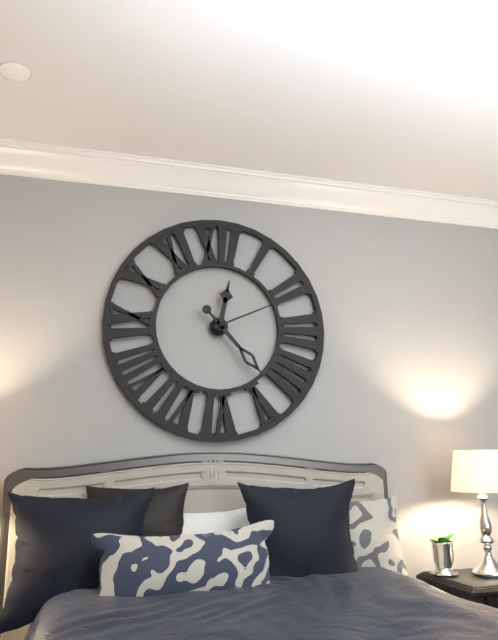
12:23:11
